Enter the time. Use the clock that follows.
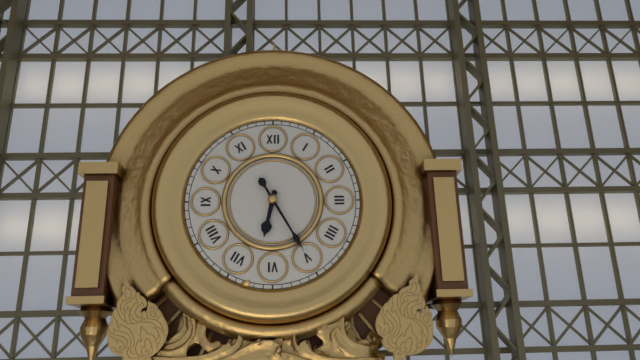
6:25
